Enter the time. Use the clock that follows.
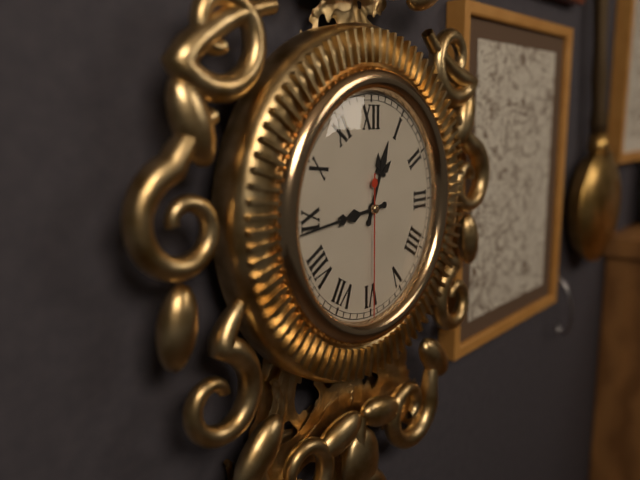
12:44:30
